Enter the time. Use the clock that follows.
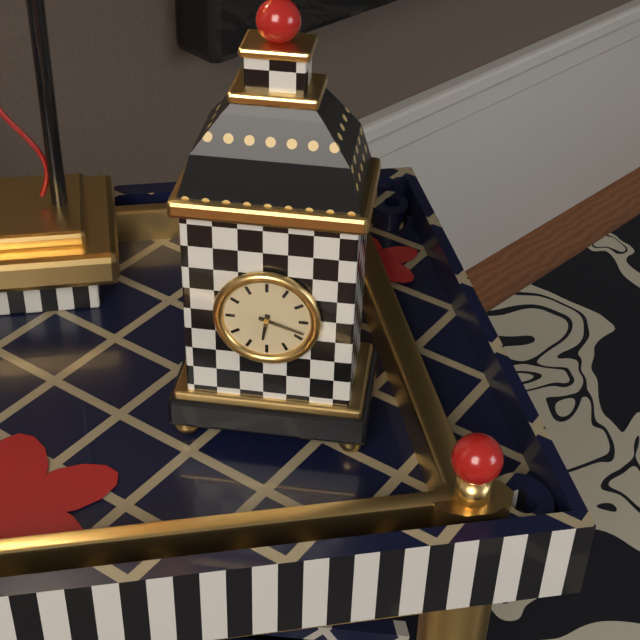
6:18
